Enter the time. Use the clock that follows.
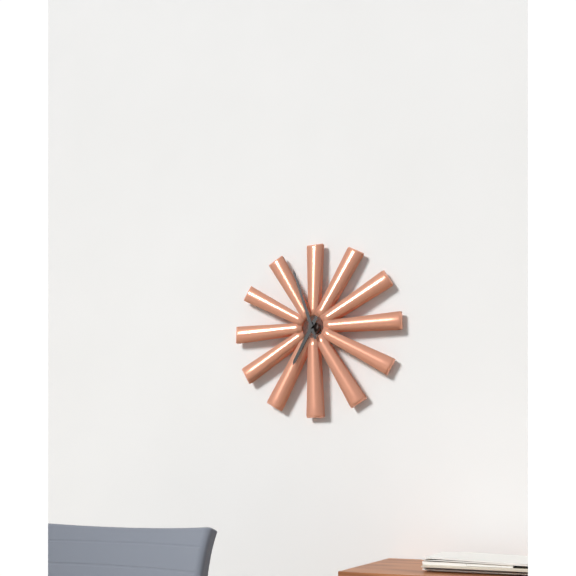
6:57
